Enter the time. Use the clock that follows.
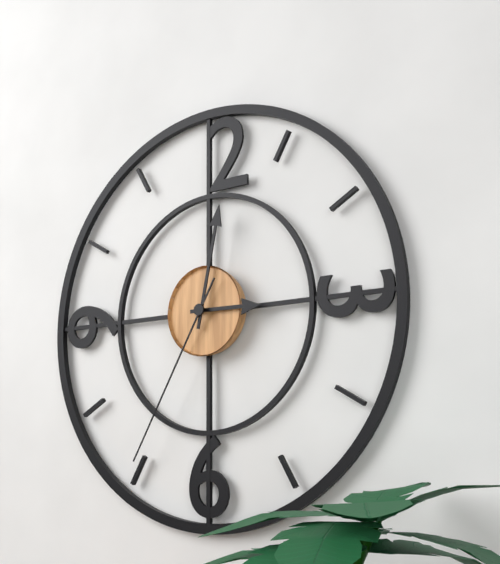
3:02:35
